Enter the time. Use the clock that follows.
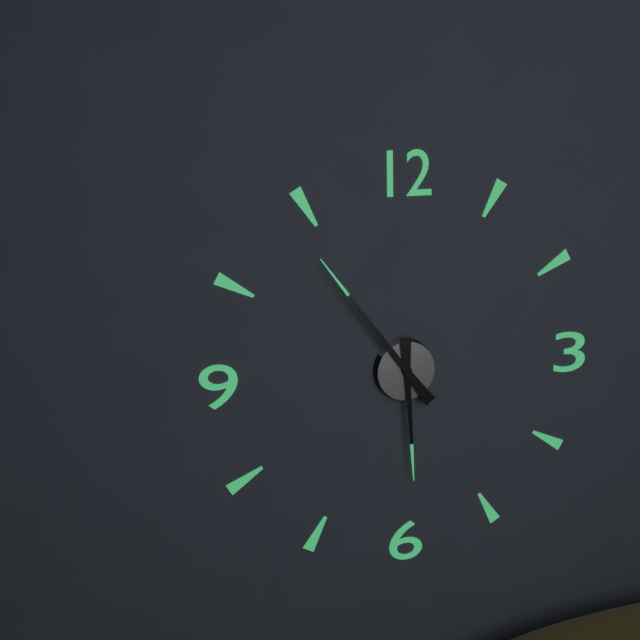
5:54
